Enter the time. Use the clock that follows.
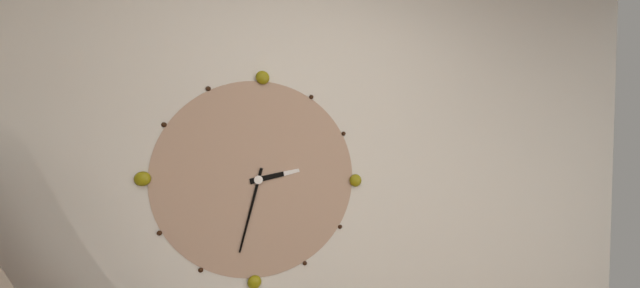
2:32
